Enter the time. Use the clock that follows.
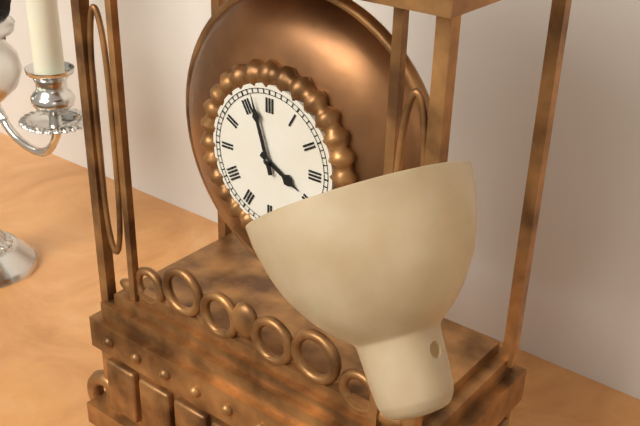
3:57
